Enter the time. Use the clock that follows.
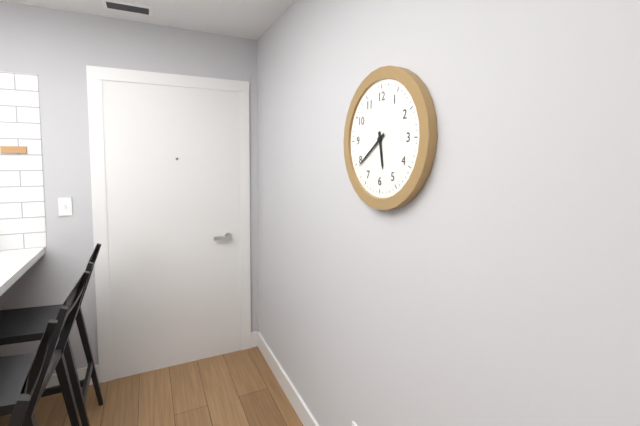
5:39
